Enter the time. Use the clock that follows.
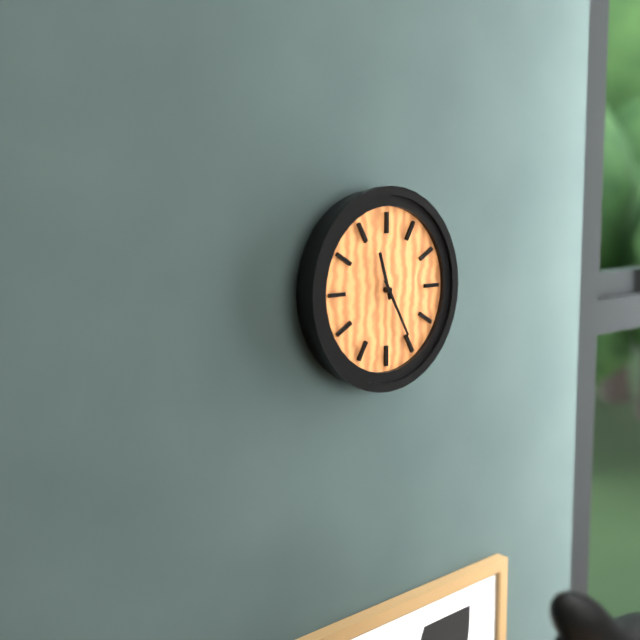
11:25
